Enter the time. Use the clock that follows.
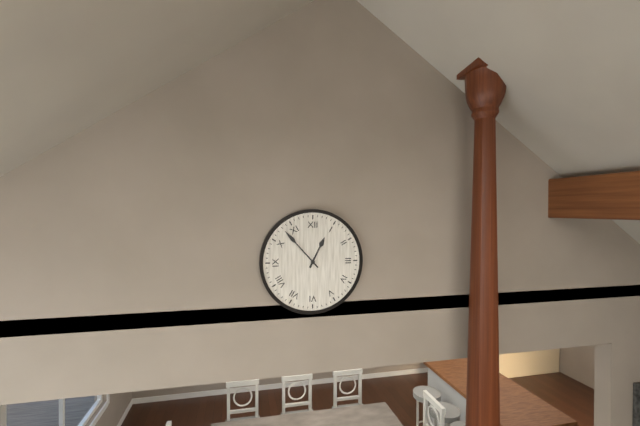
12:53
